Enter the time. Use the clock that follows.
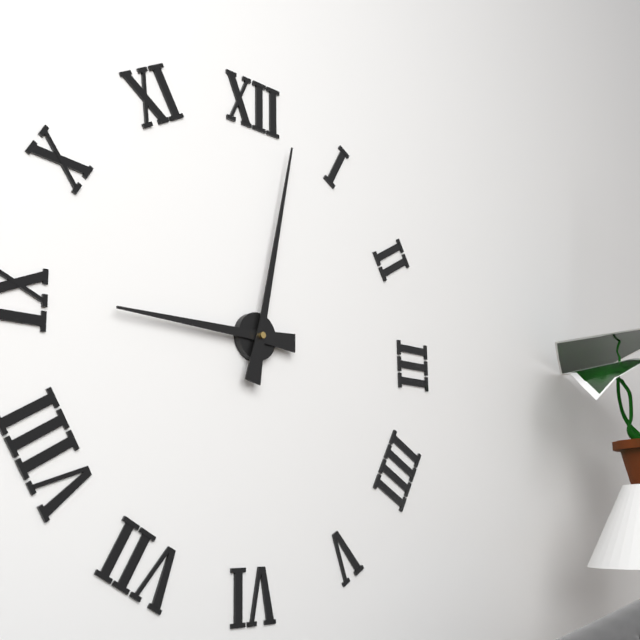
9:02
